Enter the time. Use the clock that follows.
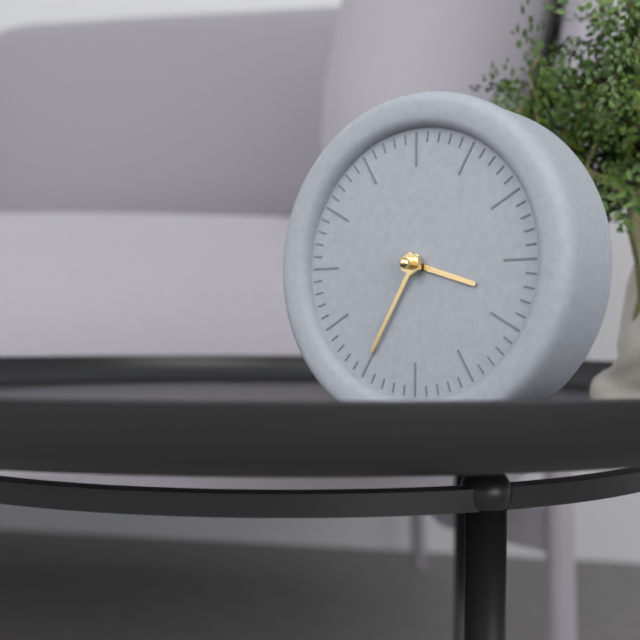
3:35
